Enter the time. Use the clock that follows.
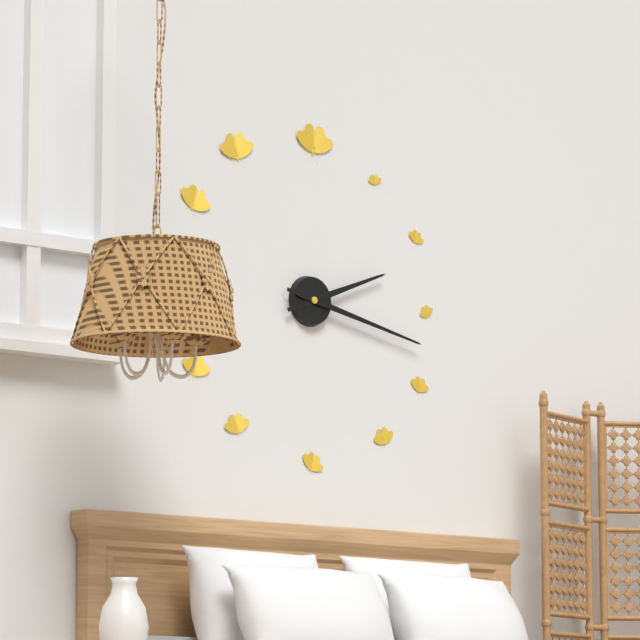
2:17
